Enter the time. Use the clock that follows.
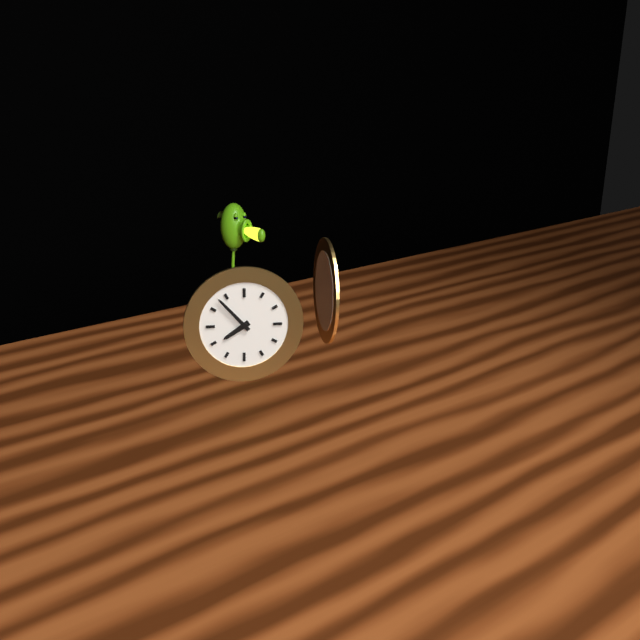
7:53
